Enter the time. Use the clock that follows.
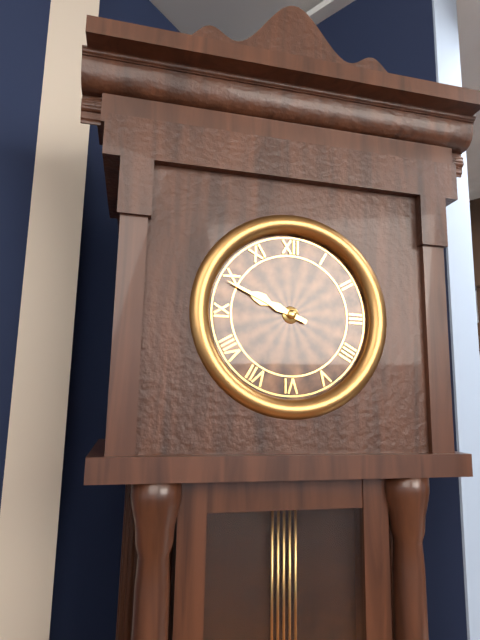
9:49
